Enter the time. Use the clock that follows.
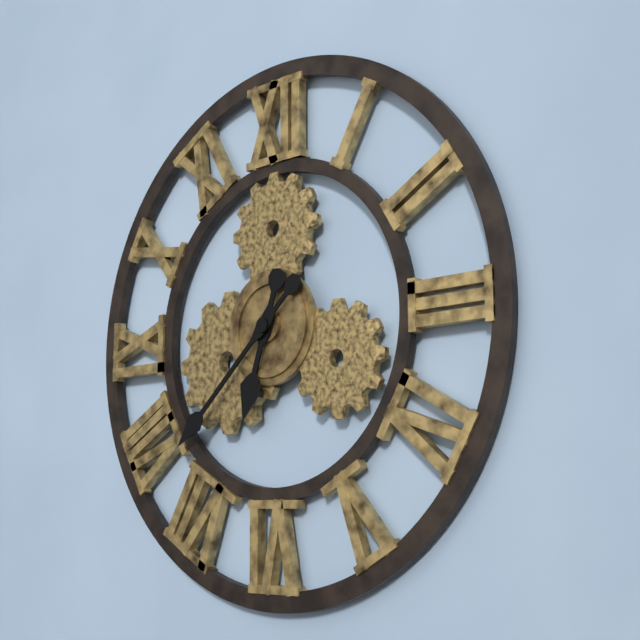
6:38
